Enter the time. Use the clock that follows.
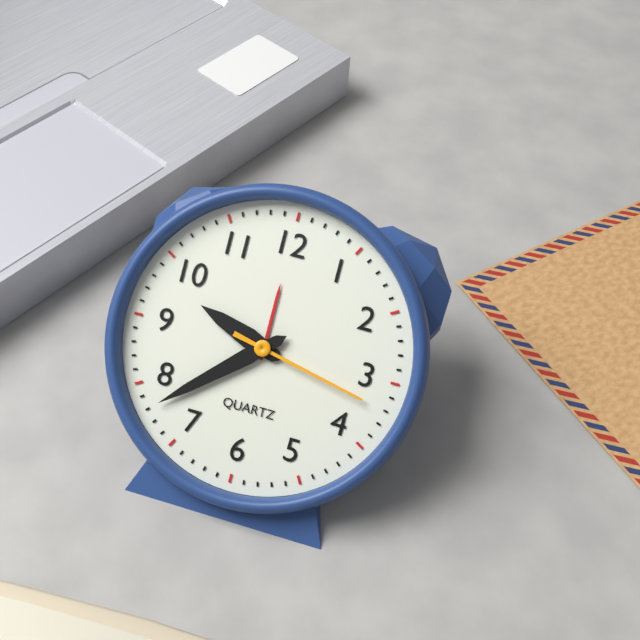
9:38:17
